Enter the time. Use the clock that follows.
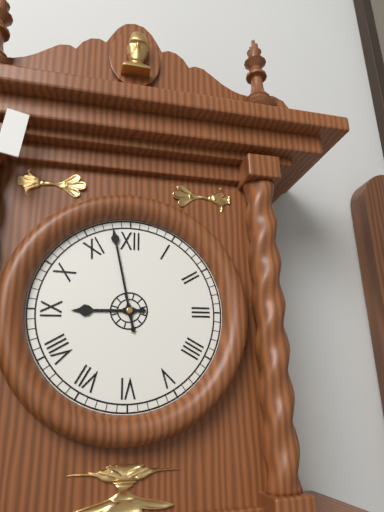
8:58
